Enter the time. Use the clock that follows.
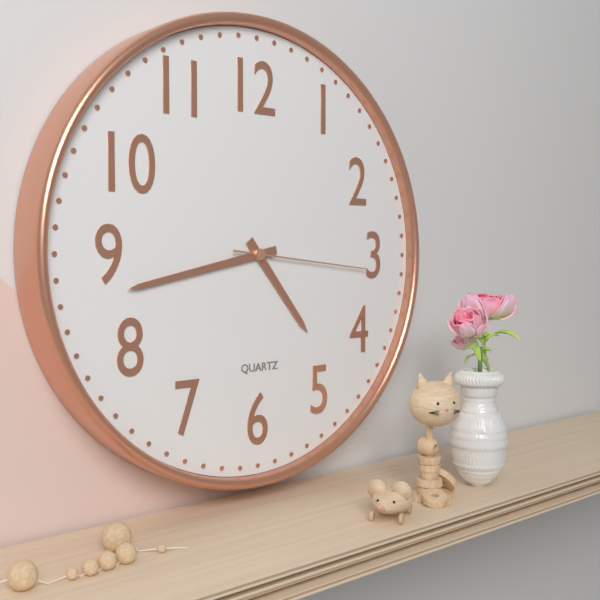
4:43:16
